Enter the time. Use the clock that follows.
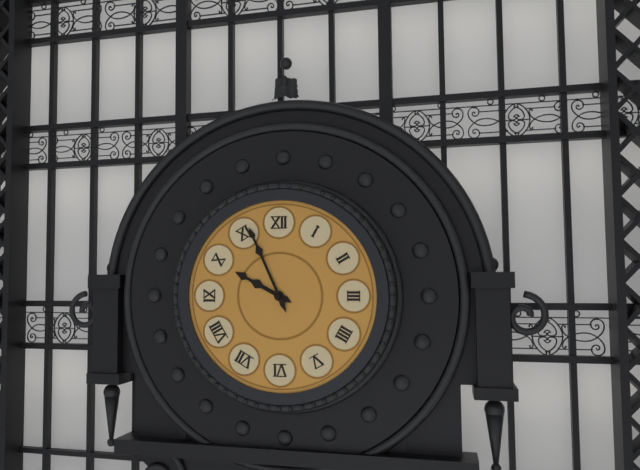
9:56
